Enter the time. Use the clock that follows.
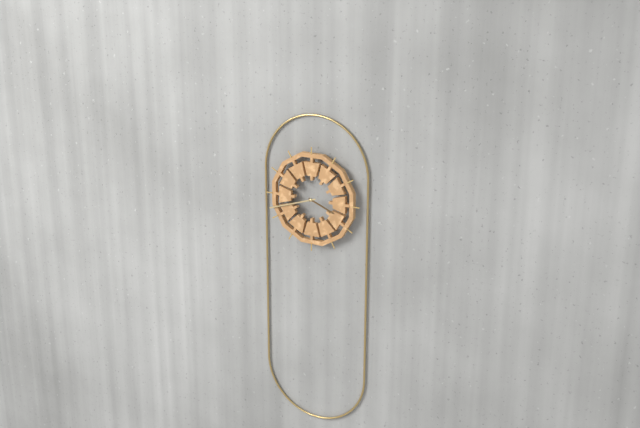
3:42
